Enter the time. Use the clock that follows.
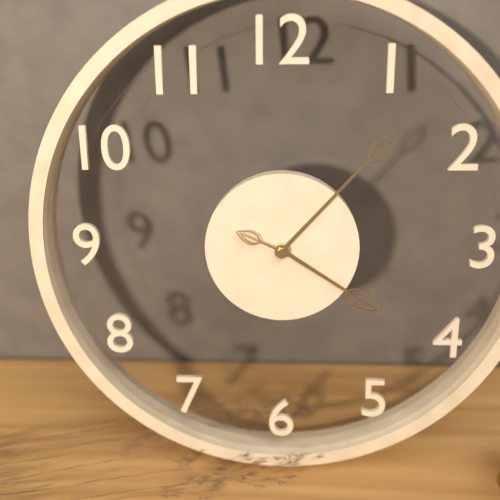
4:07:49
